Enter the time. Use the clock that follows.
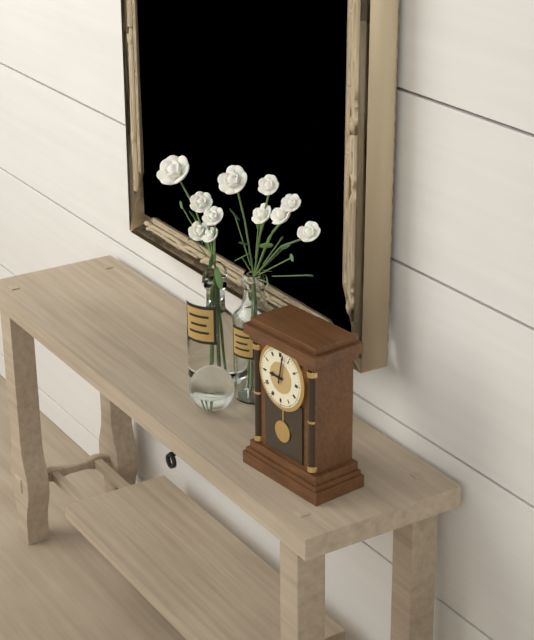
9:02
